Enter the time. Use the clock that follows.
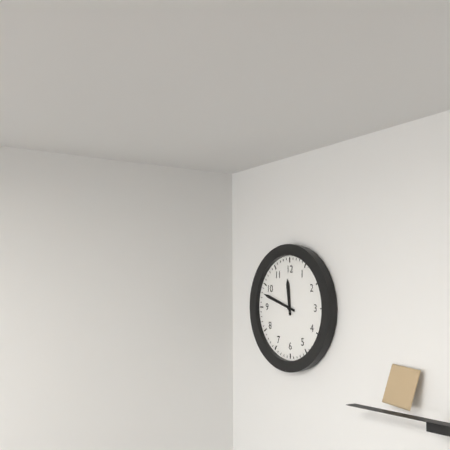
11:48
